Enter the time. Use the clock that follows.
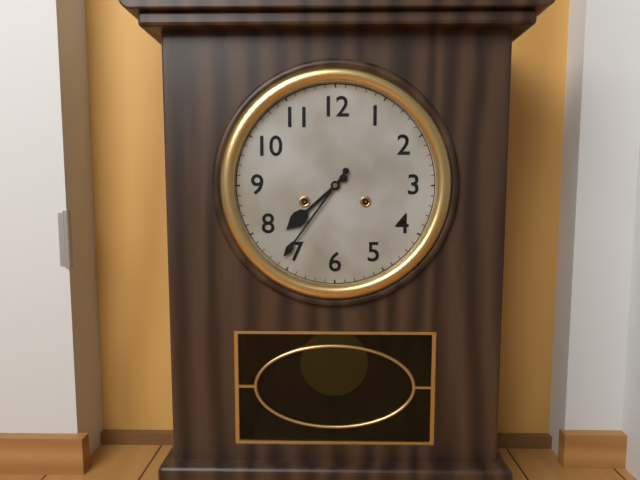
7:36
